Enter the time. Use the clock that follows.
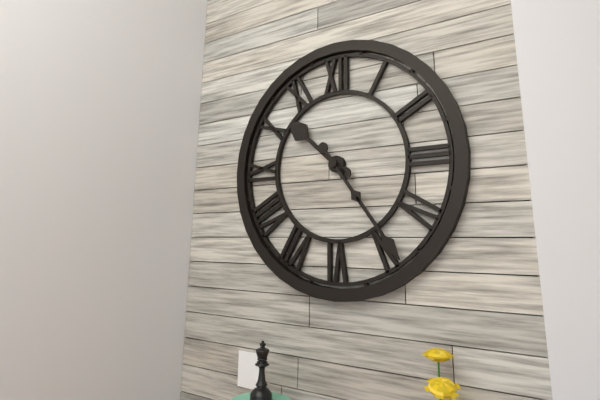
10:24
